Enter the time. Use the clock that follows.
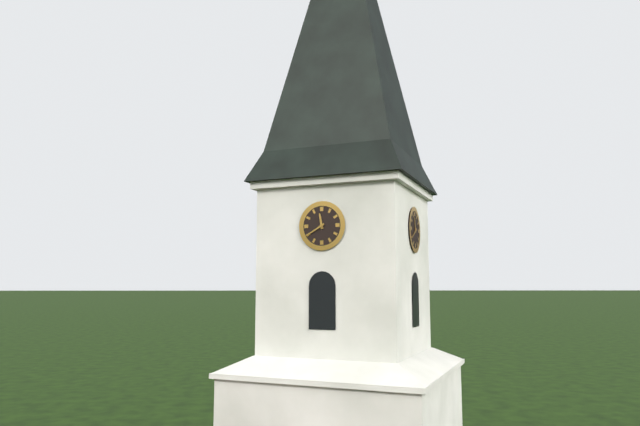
11:40
